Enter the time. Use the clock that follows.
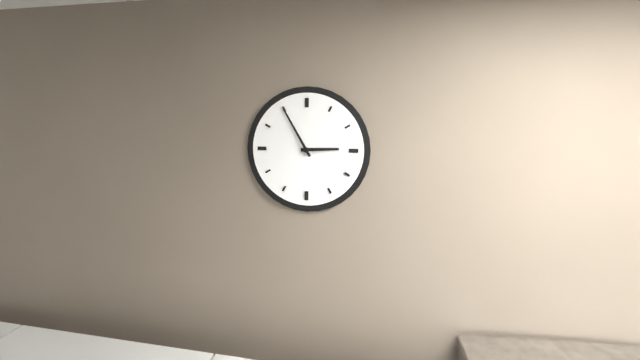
2:55
